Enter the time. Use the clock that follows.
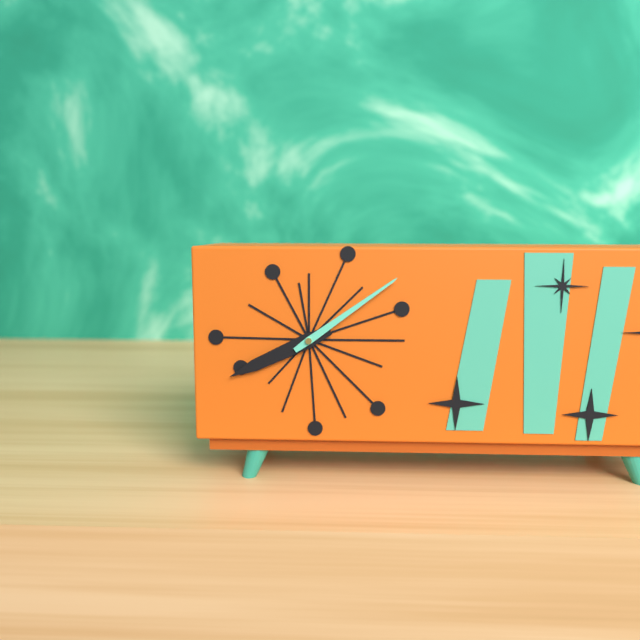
8:09
